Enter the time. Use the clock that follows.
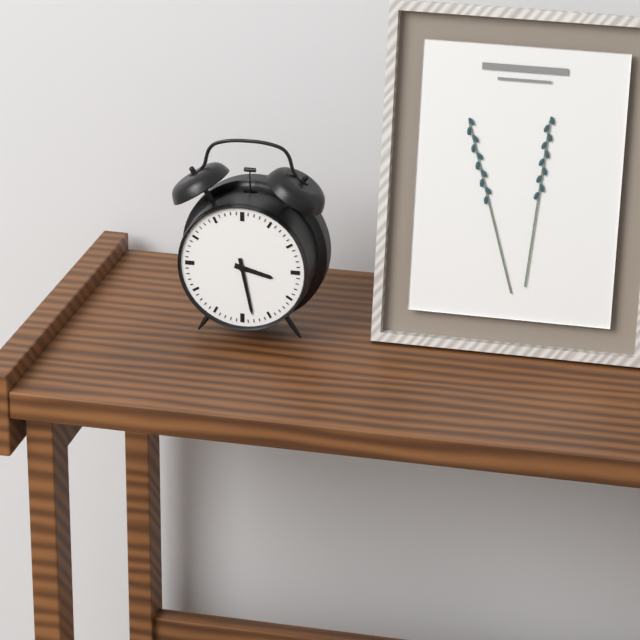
3:28
